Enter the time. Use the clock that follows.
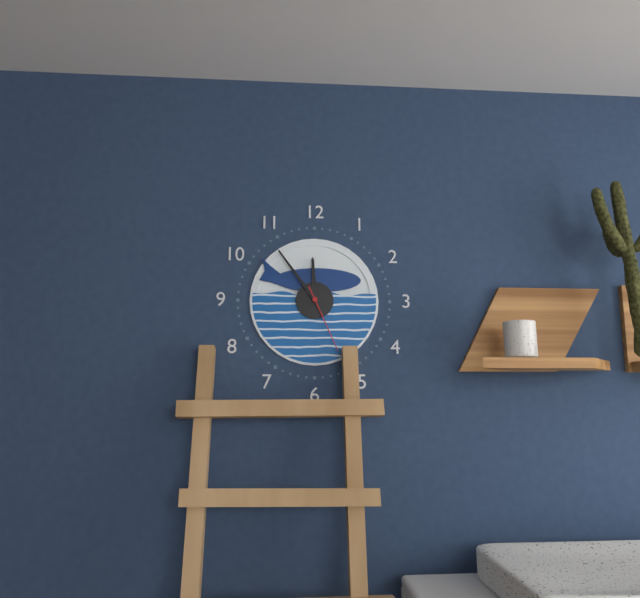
11:54:26
